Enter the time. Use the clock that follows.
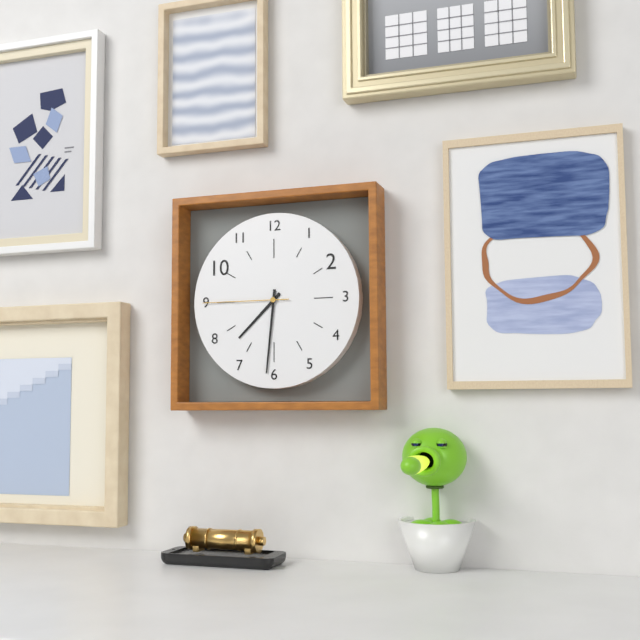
7:31:45
